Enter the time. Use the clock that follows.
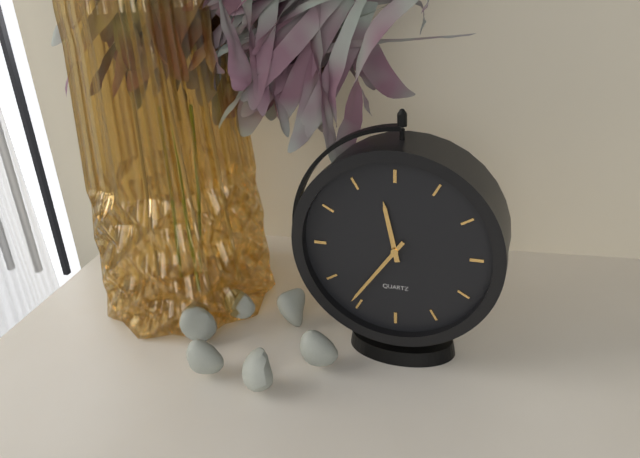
11:36
